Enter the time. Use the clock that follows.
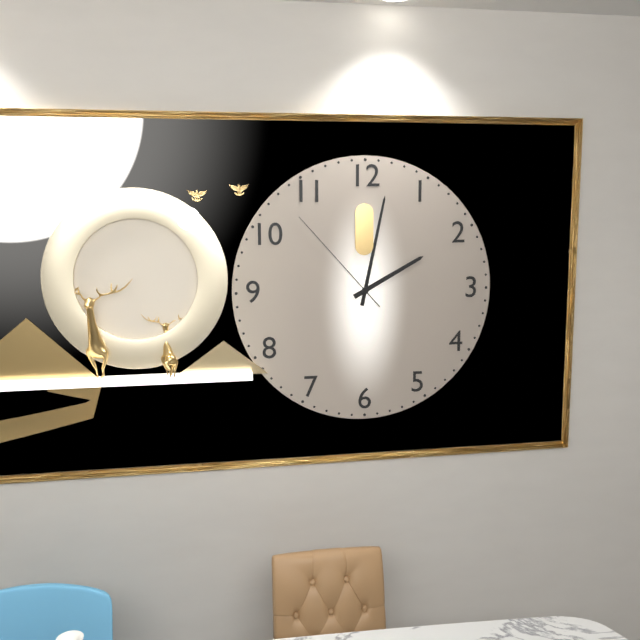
2:02:53
